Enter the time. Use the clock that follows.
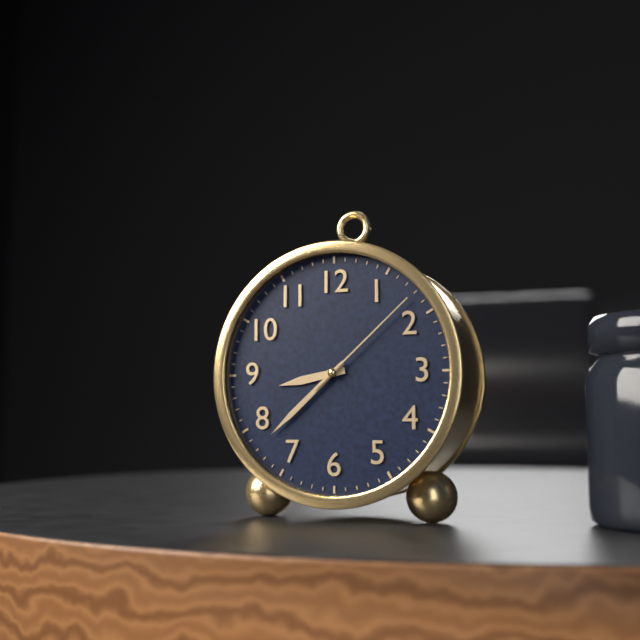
8:38:08
